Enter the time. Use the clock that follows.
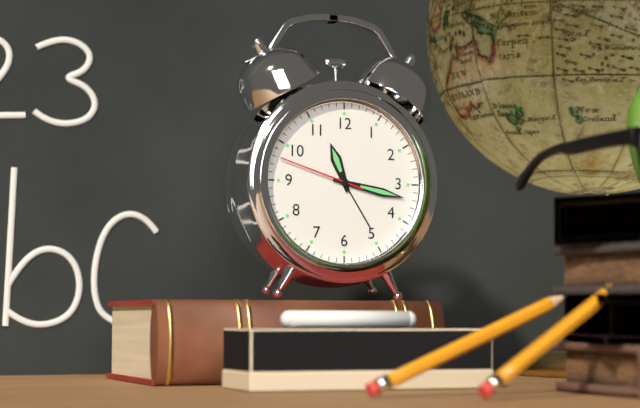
11:17:48
